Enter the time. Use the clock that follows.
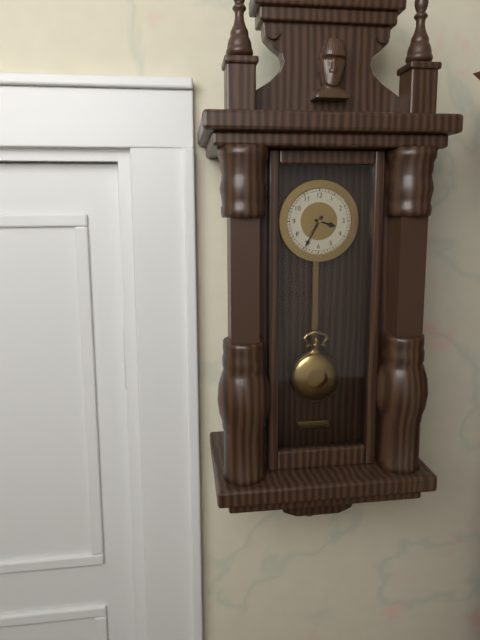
3:35
